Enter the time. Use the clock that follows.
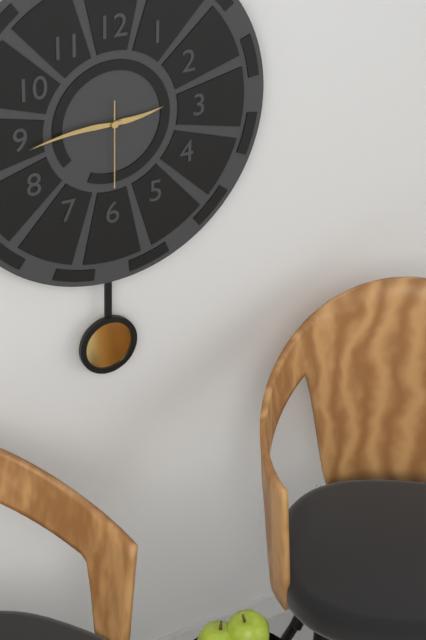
2:44:30
